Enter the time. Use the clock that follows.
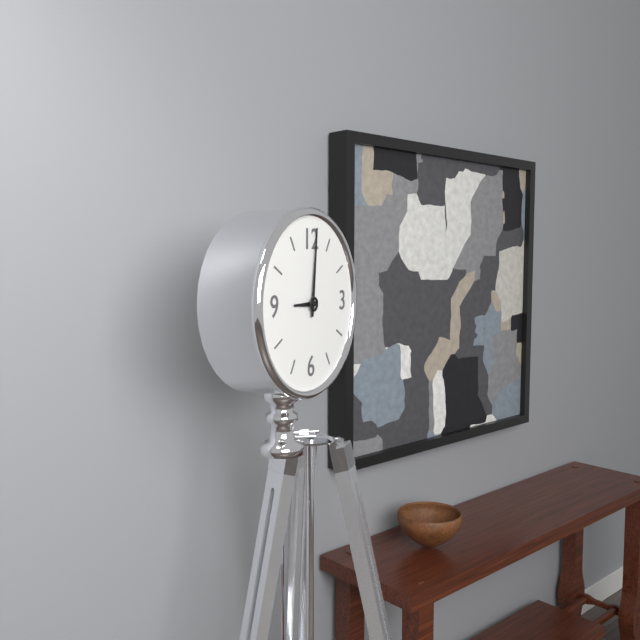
9:01
